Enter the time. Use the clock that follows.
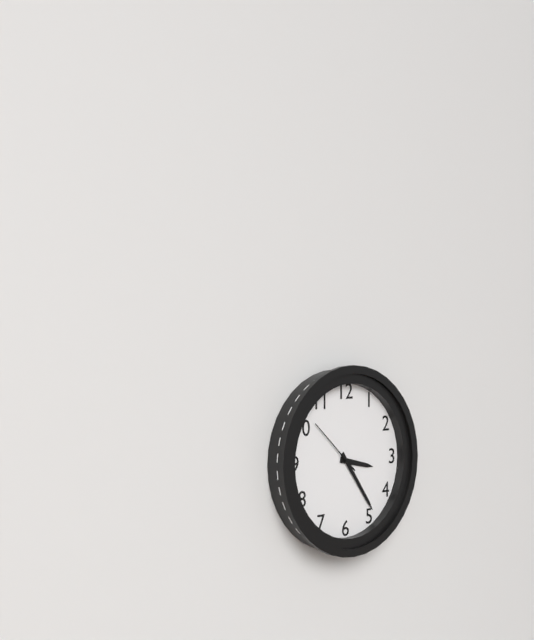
3:24:52
